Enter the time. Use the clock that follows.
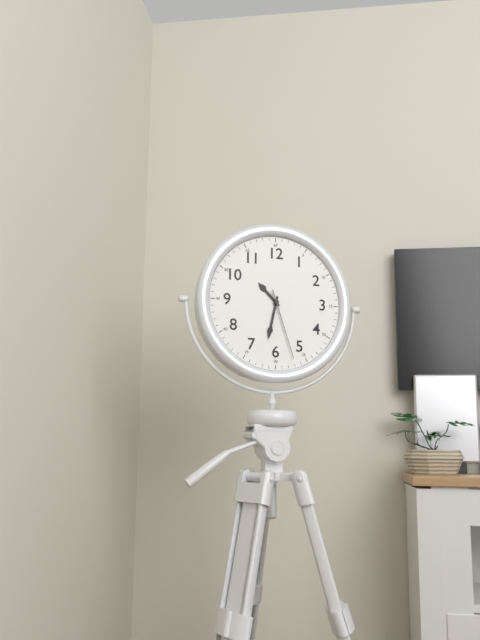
10:32:27
